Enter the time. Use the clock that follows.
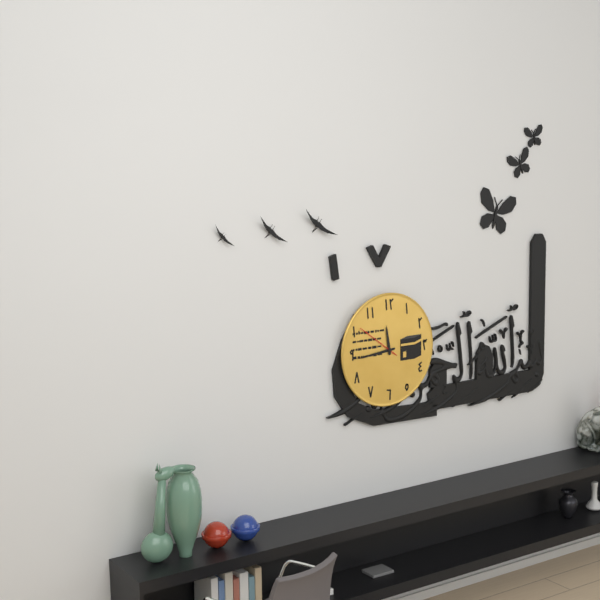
11:44
